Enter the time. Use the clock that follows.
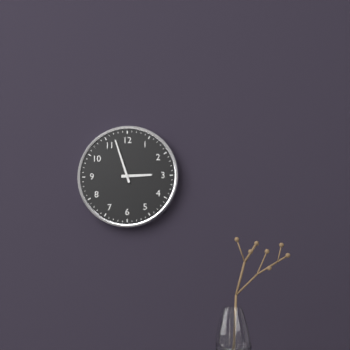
2:57
